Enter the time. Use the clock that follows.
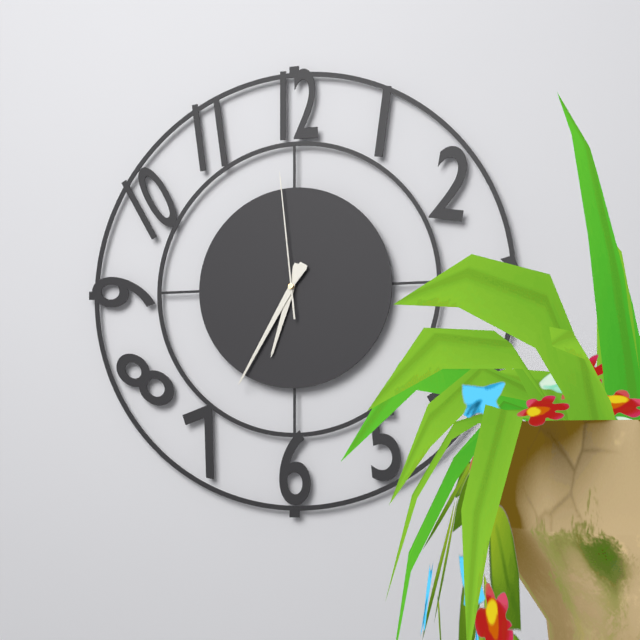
6:35:59
